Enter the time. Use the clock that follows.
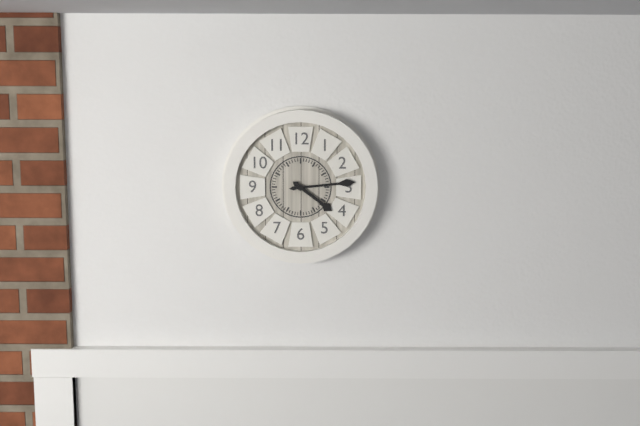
4:14
